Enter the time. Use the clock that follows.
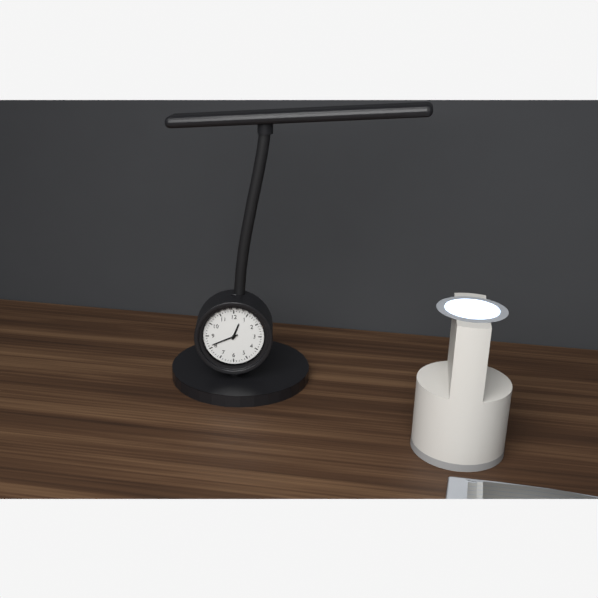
12:41
